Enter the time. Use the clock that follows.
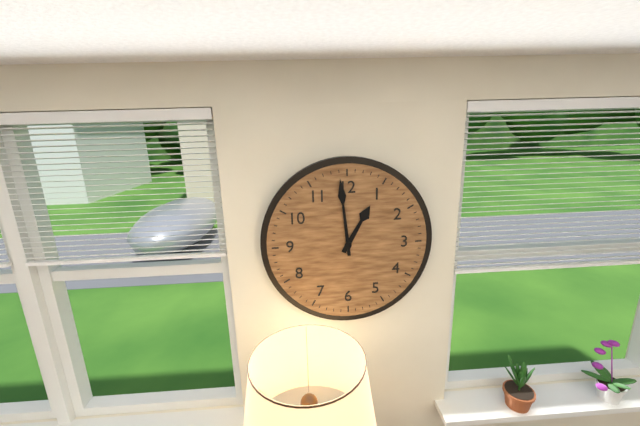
12:59
